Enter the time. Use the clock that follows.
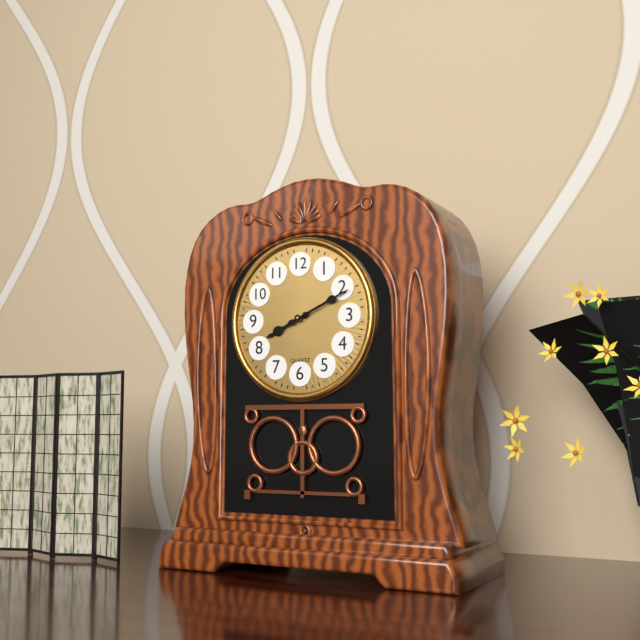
8:11
